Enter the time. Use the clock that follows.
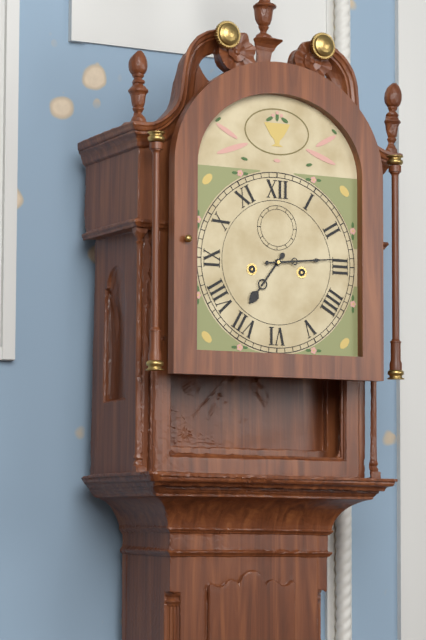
7:14
